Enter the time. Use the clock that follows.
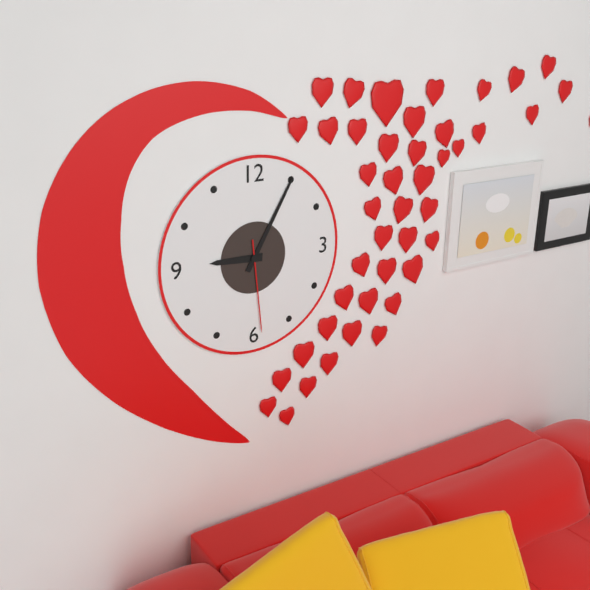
9:05:29
